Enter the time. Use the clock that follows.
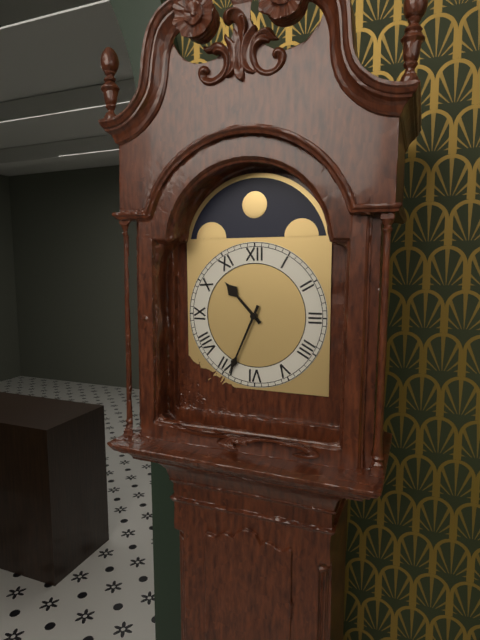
10:34
